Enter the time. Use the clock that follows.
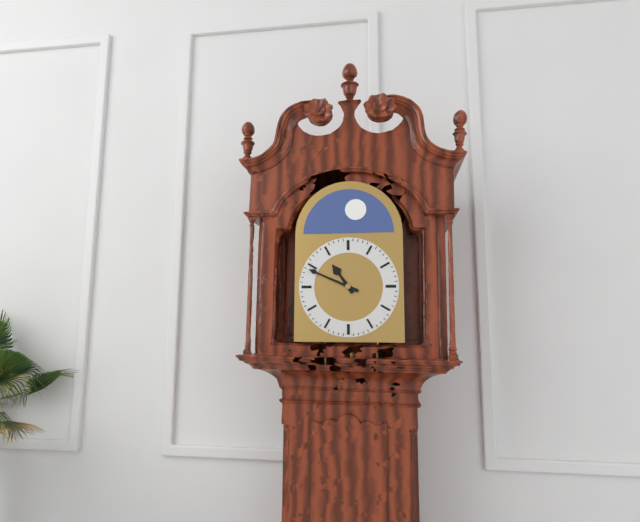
10:49
